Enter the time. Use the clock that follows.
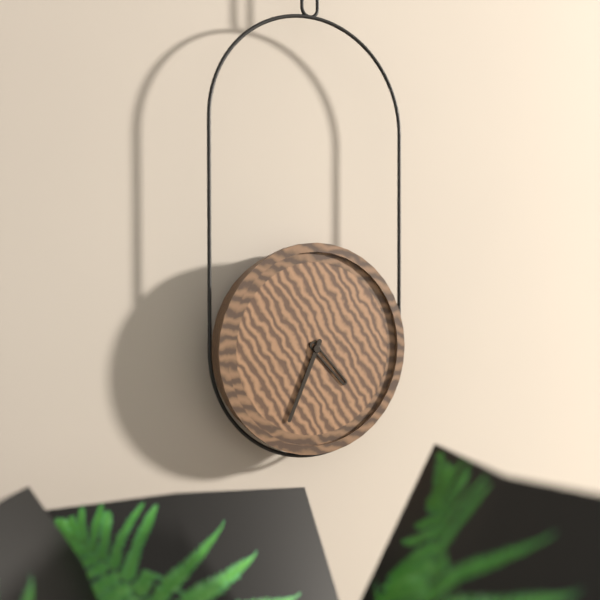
4:34
